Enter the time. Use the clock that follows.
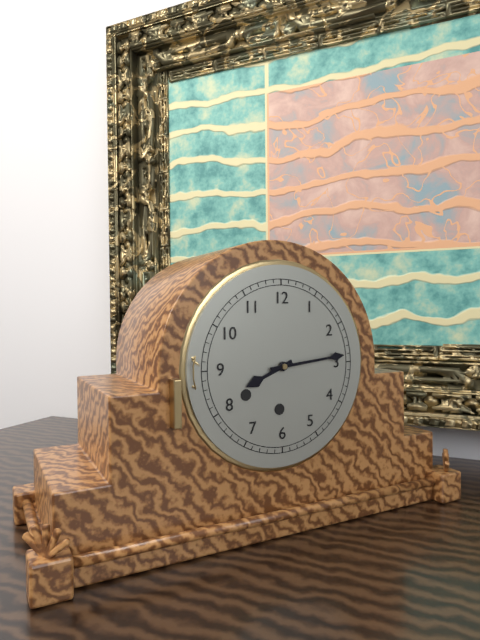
8:14
